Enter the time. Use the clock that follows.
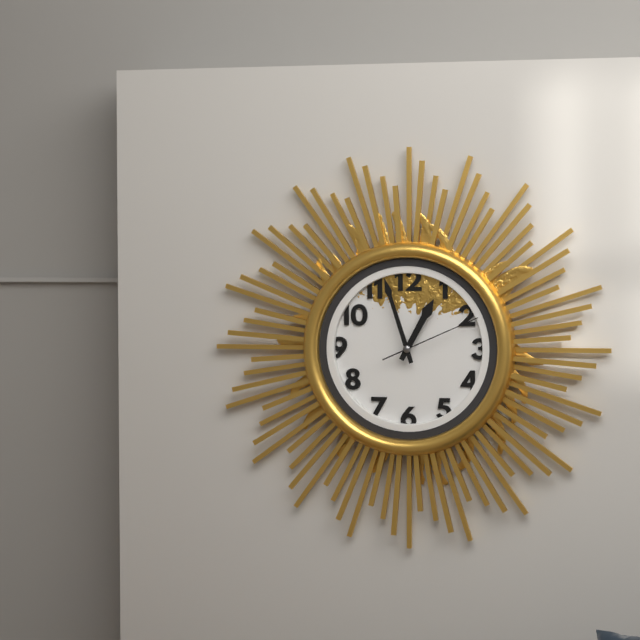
12:57:11
